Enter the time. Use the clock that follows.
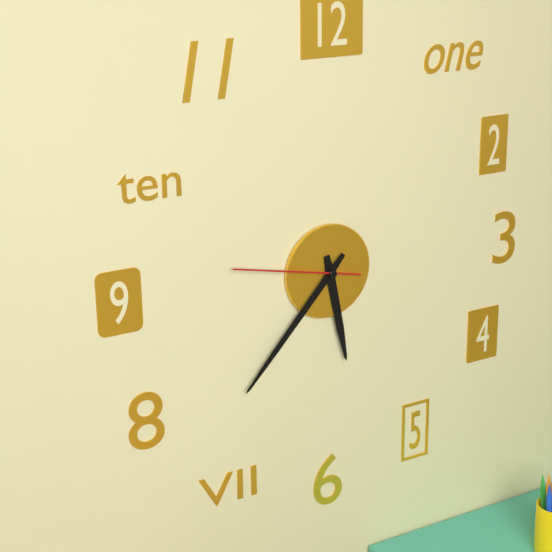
5:37:47
